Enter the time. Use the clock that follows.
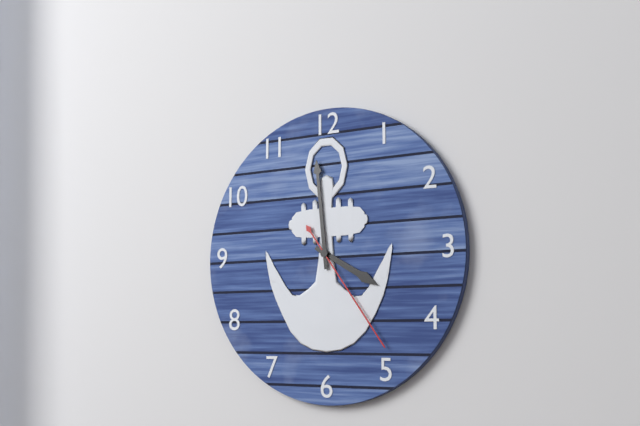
3:59:24
